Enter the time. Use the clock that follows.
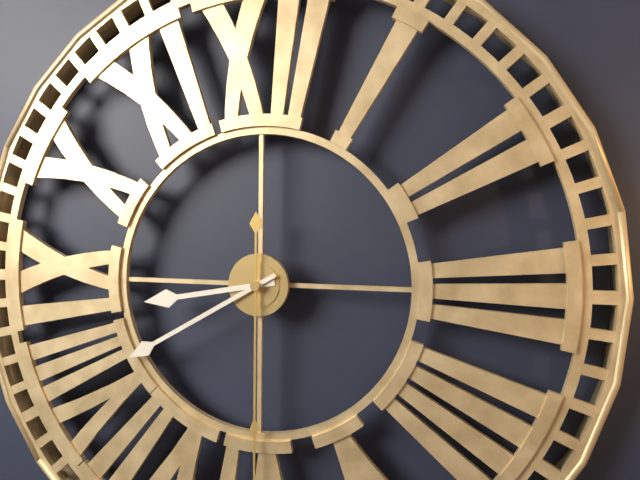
8:40
